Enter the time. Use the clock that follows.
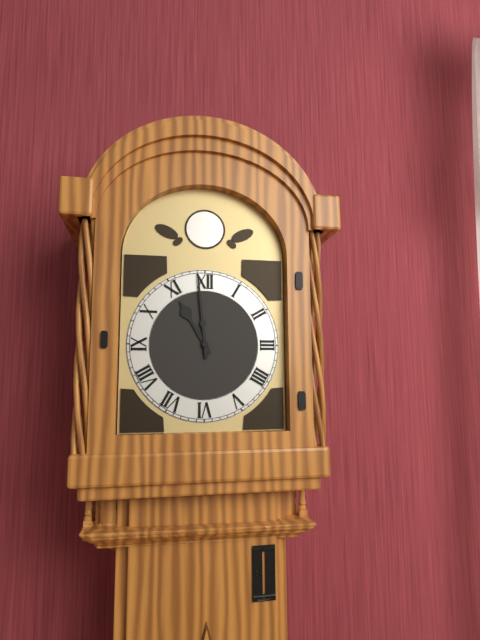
10:59
